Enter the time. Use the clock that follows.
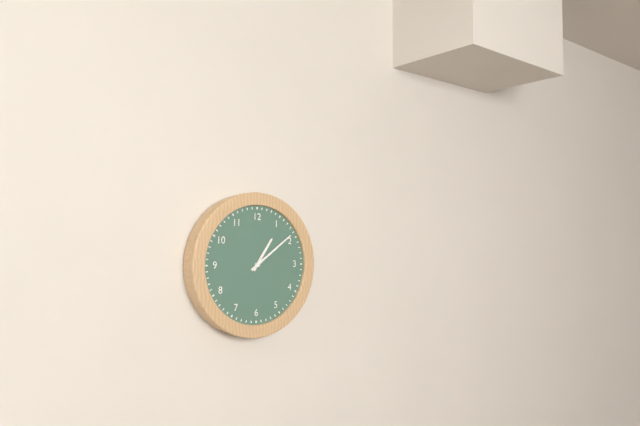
1:09
